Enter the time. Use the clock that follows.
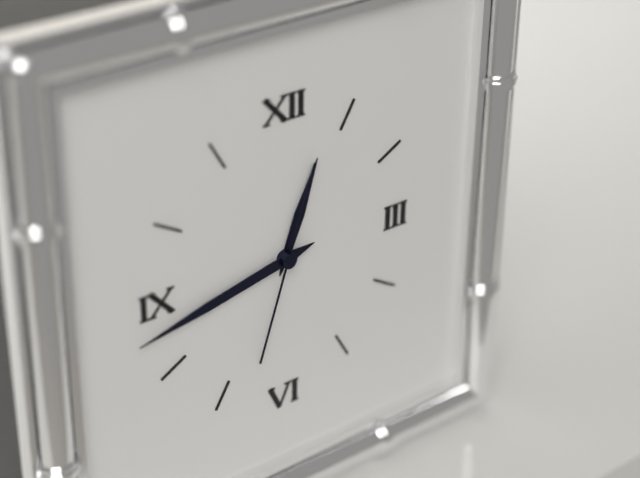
12:43:33
